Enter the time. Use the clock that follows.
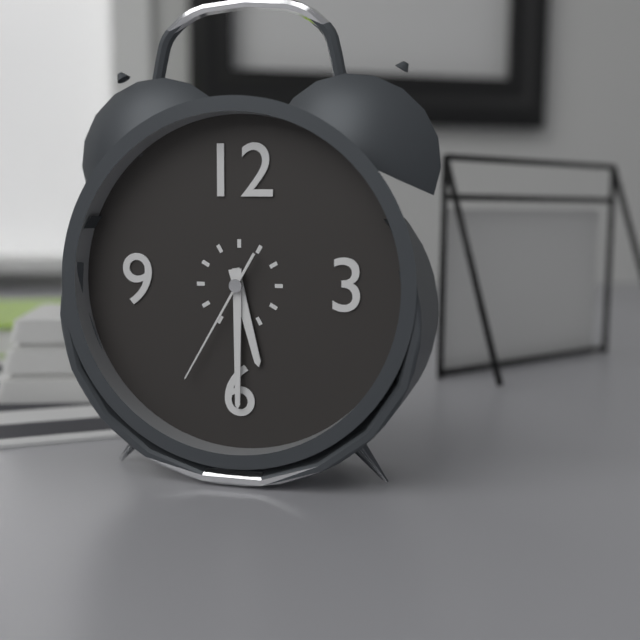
5:30:35
